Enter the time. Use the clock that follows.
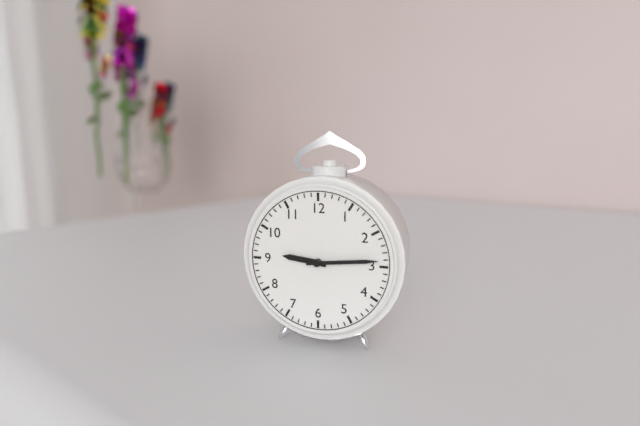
9:14
